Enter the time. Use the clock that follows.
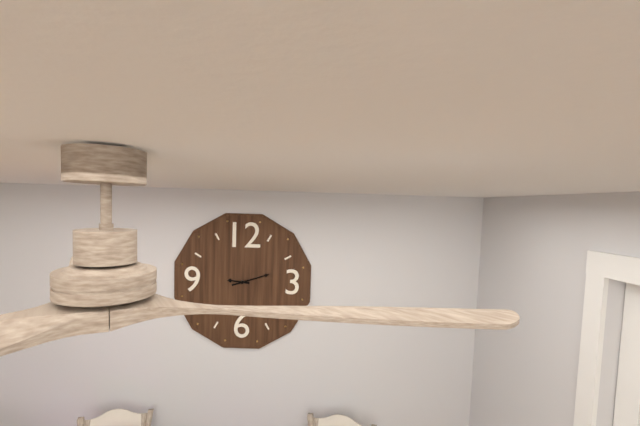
9:12
